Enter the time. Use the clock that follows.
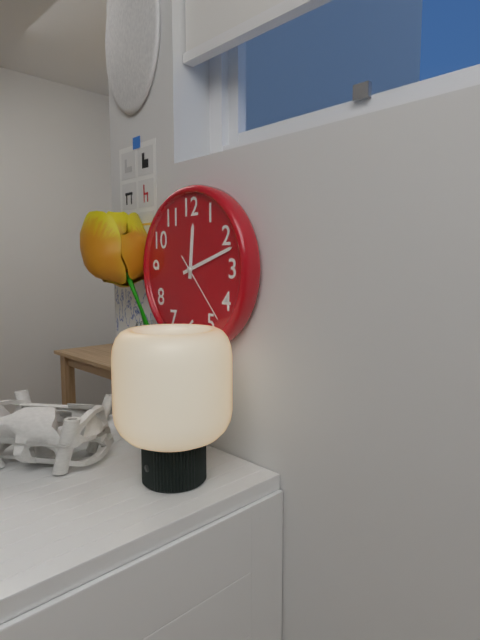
12:12:23
